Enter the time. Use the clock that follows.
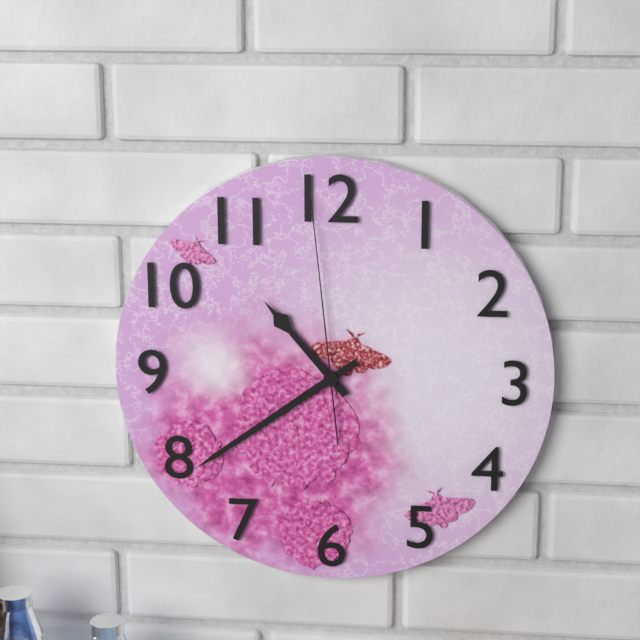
10:39:59
